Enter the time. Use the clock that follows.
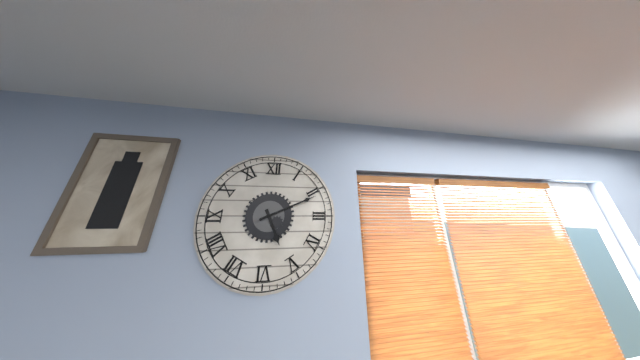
5:11
